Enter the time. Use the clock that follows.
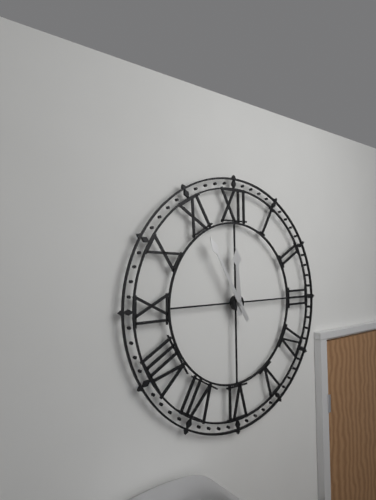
11:55
